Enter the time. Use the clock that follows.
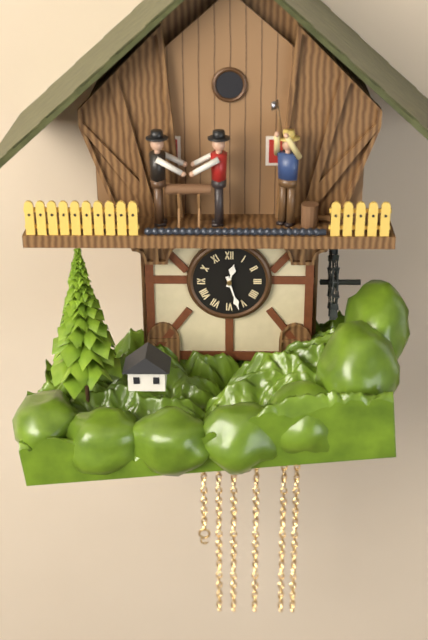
12:27
